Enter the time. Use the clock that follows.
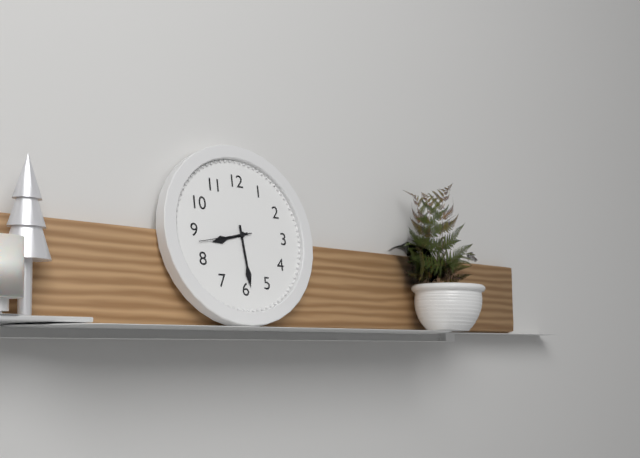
8:29:43
